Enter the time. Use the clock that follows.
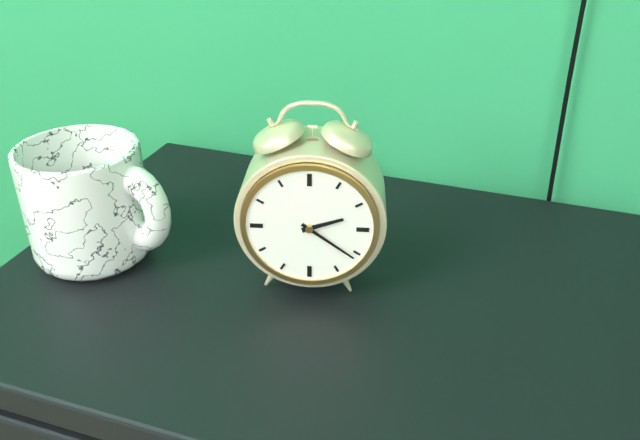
2:21
